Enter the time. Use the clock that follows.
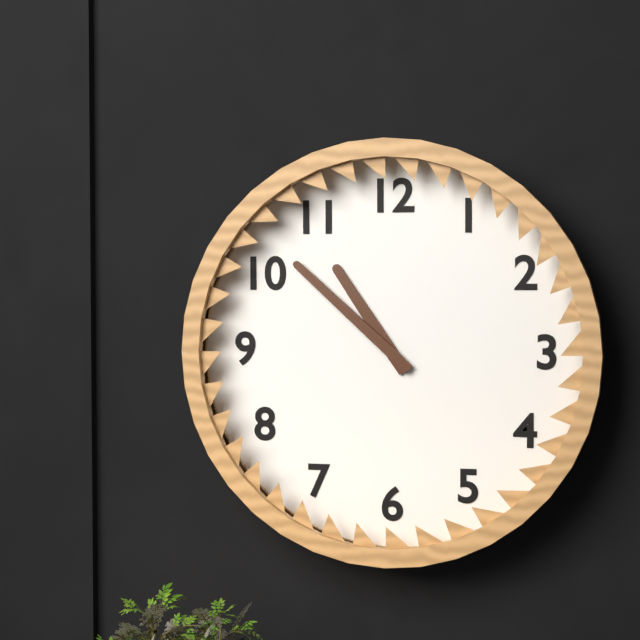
10:52
